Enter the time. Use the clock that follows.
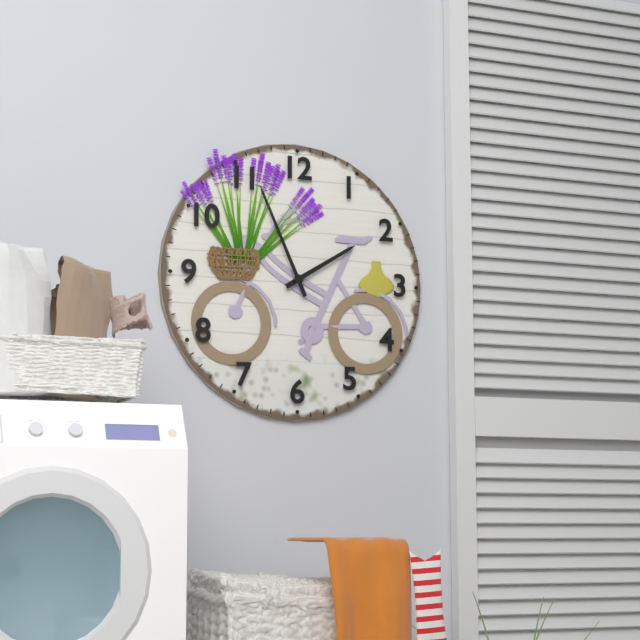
1:56
